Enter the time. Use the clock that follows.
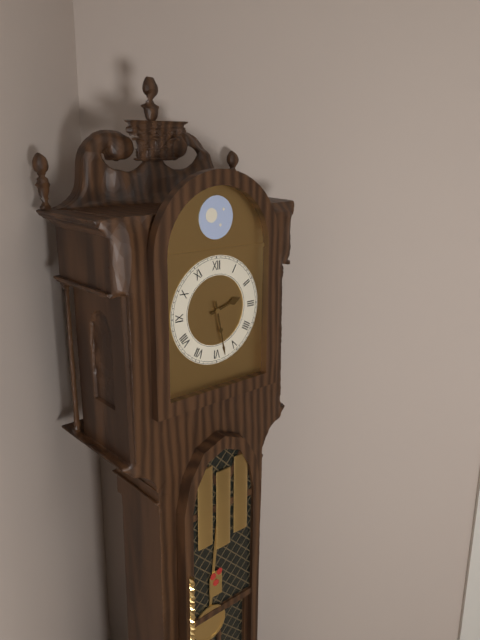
2:28
